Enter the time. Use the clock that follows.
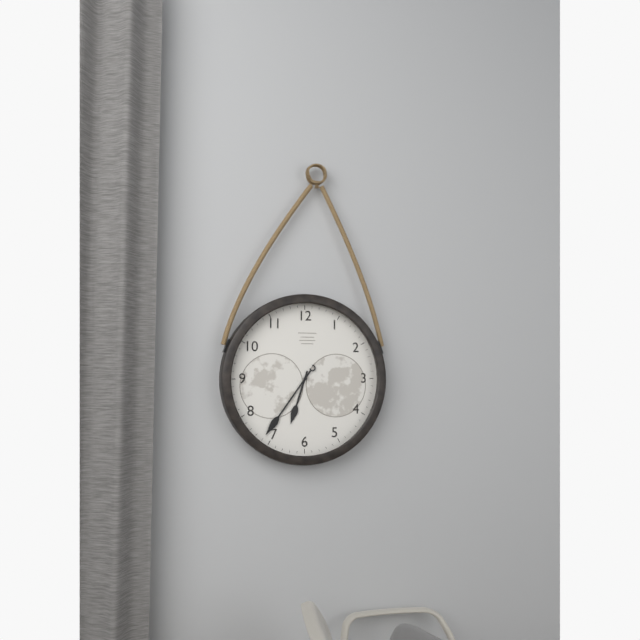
6:36
